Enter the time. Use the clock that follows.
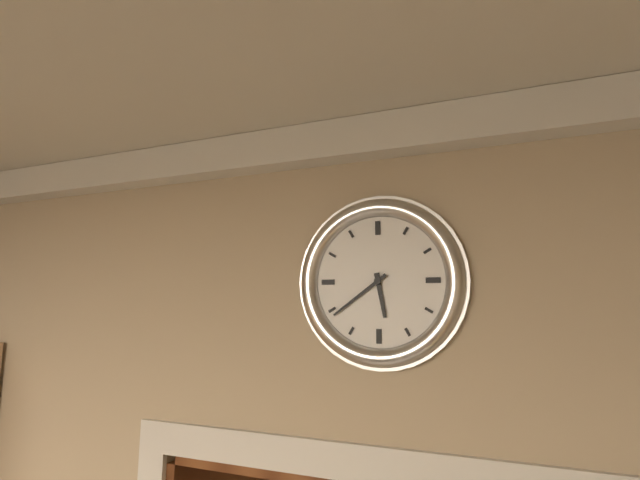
5:39
